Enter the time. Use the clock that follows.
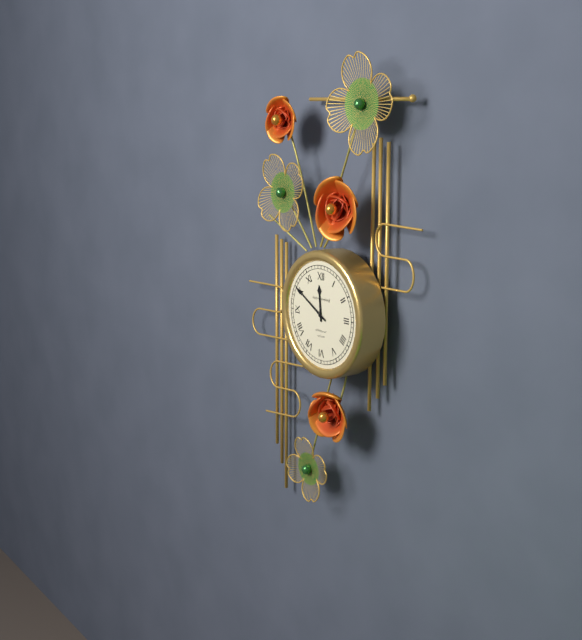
11:50
